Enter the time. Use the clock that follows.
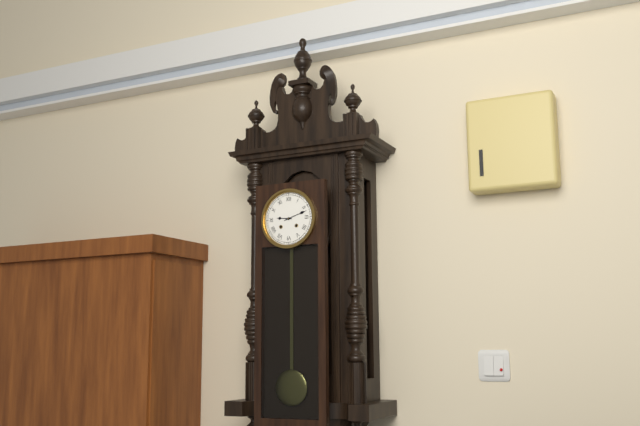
9:12
